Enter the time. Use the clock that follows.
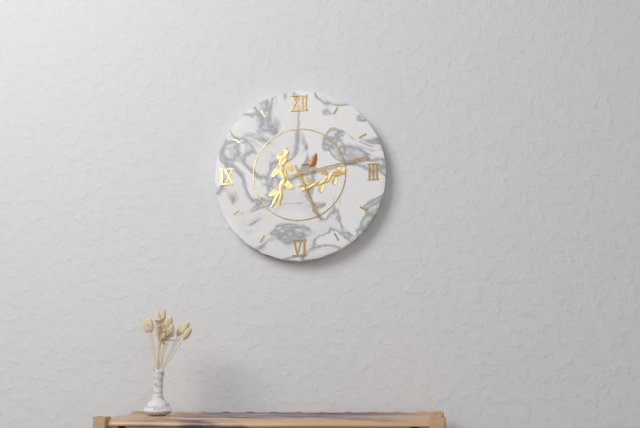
5:13
